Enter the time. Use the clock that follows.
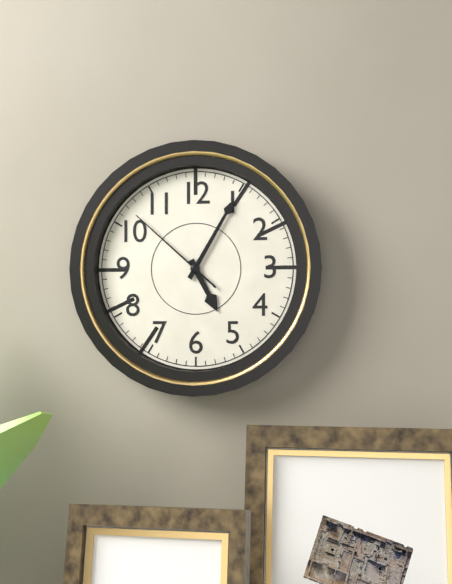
5:05:52
